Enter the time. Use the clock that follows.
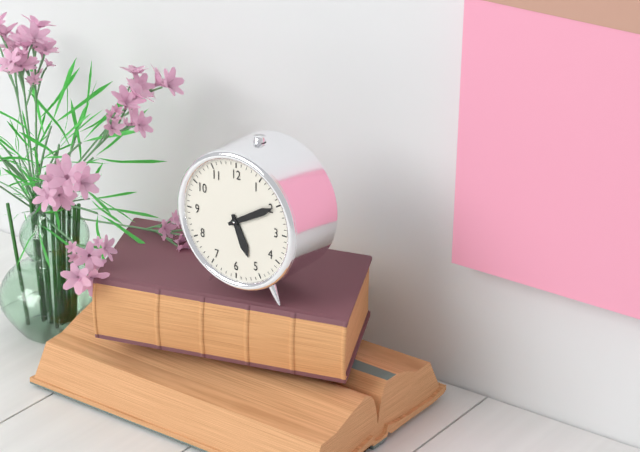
5:10
